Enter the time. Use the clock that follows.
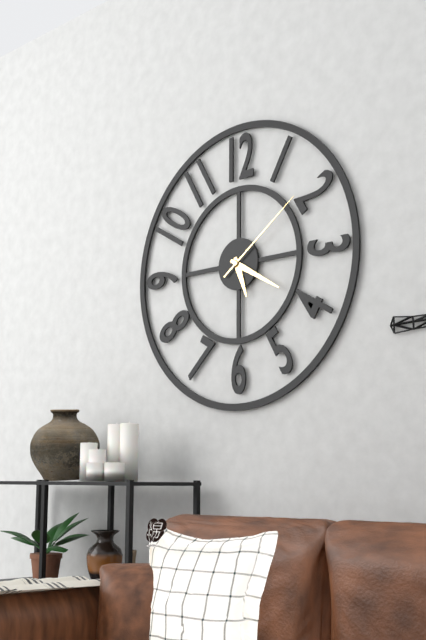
5:20:09
